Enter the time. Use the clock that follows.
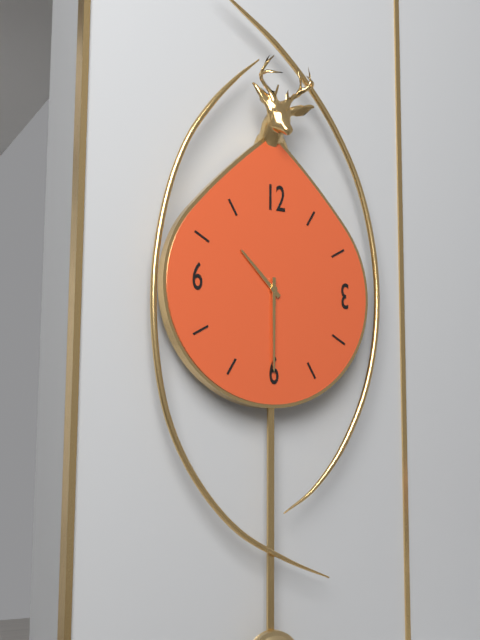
10:30
